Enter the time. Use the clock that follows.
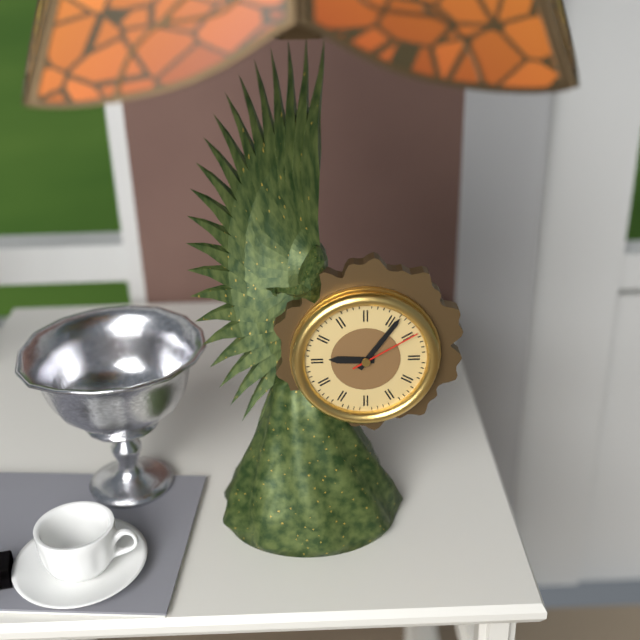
9:06:10
